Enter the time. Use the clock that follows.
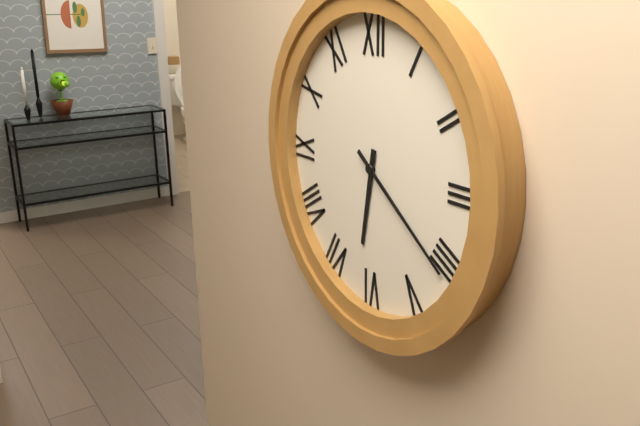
6:21
